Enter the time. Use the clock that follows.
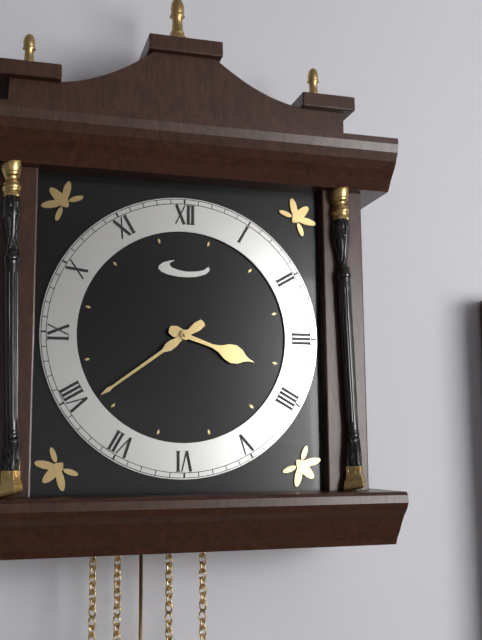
3:39
